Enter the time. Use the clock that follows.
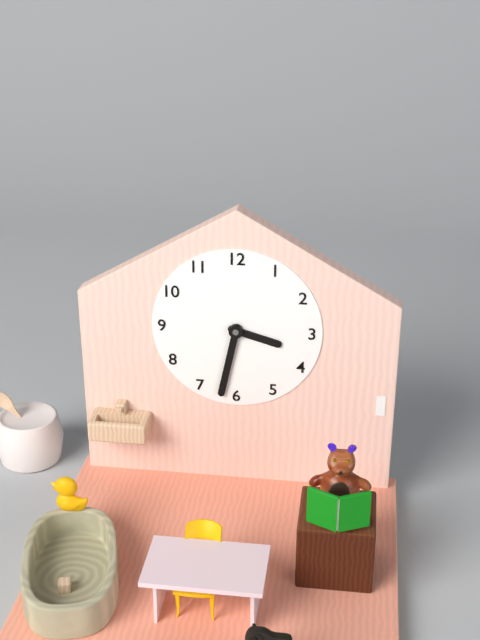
3:32
